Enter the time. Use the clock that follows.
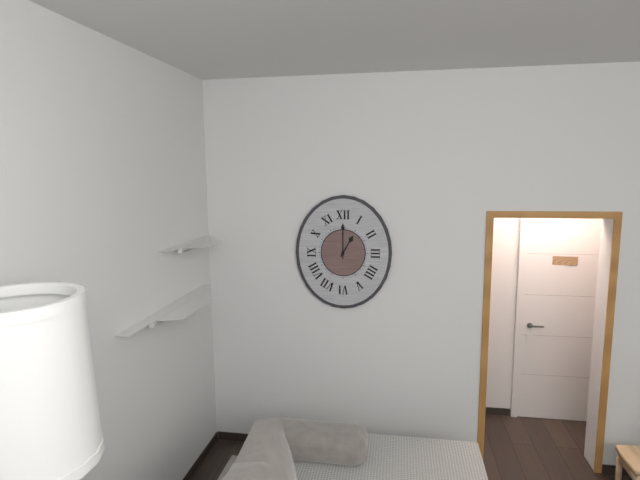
1:00
